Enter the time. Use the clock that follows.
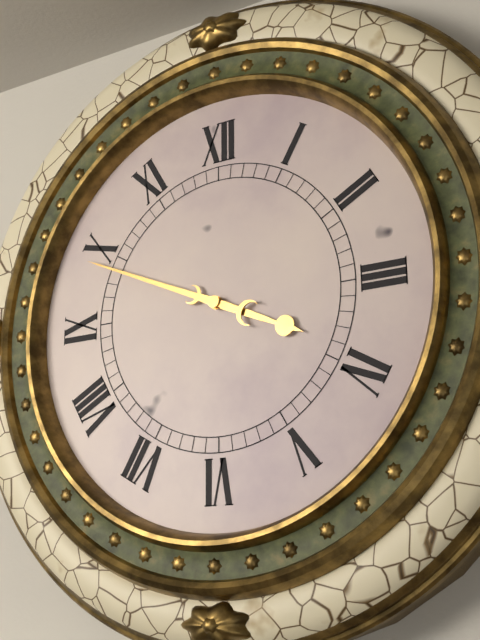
3:49
